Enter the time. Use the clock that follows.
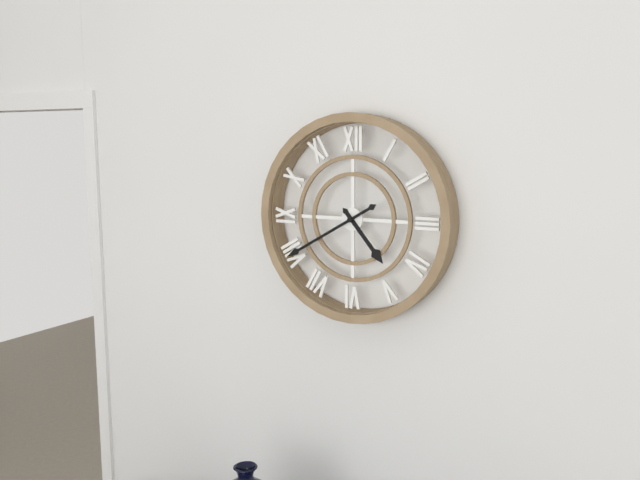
4:40
